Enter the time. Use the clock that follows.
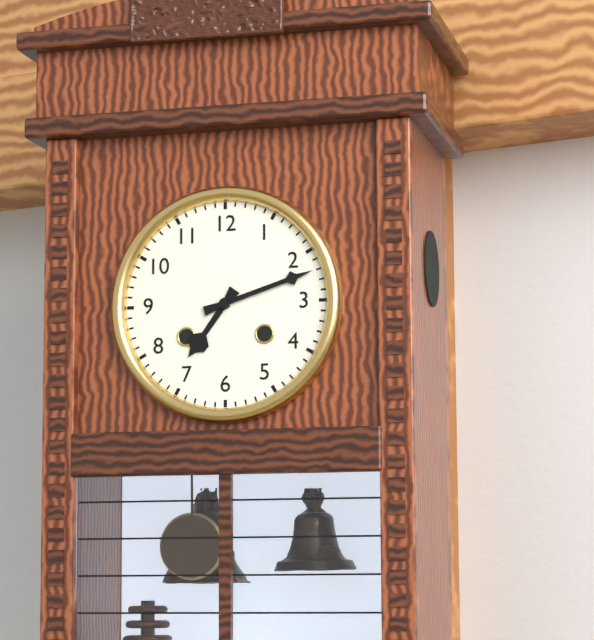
7:12
